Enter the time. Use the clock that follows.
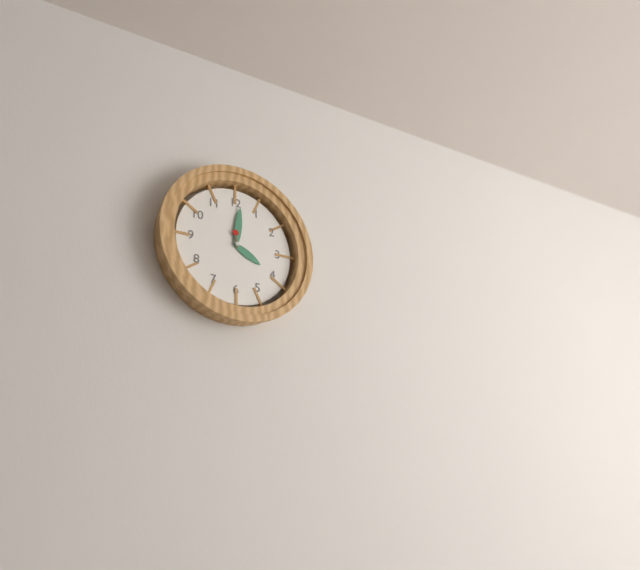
4:01
